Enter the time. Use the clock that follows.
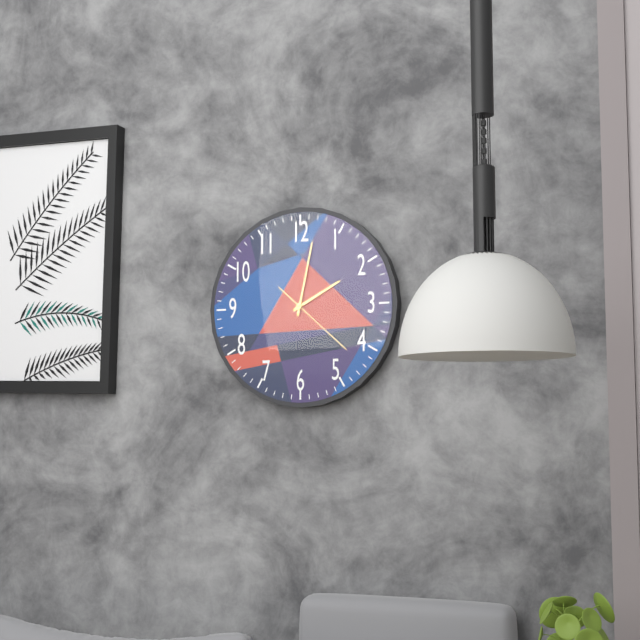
2:02:22
